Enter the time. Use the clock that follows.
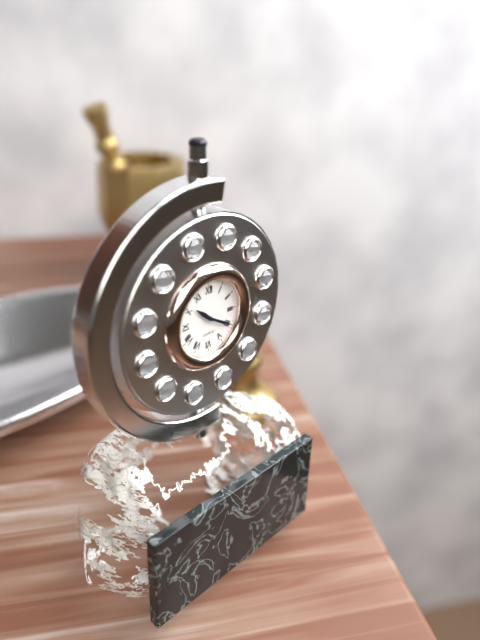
10:20
